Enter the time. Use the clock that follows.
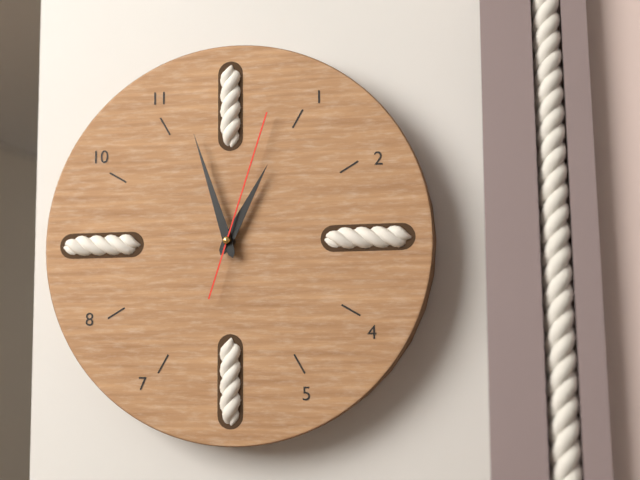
12:57:03
